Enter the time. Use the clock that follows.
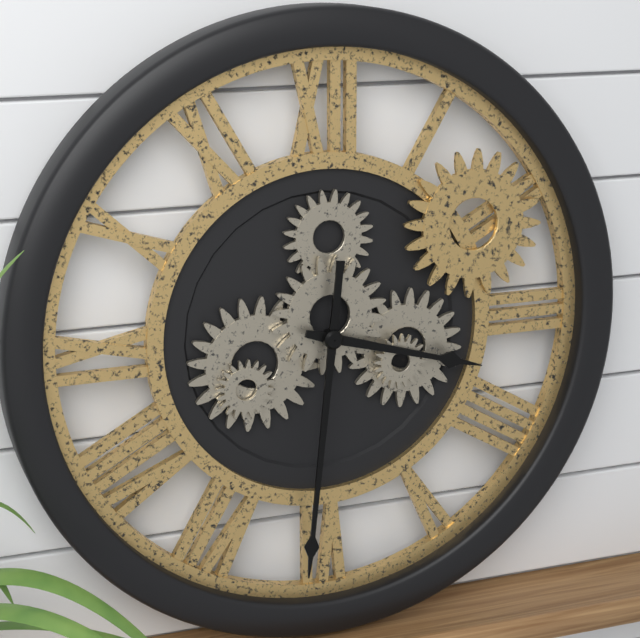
3:31
